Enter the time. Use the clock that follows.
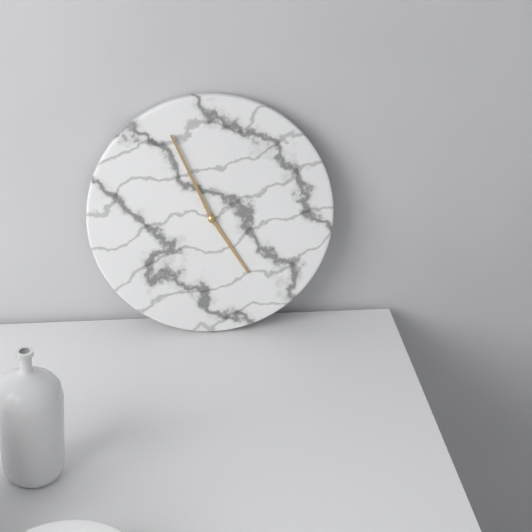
4:56
